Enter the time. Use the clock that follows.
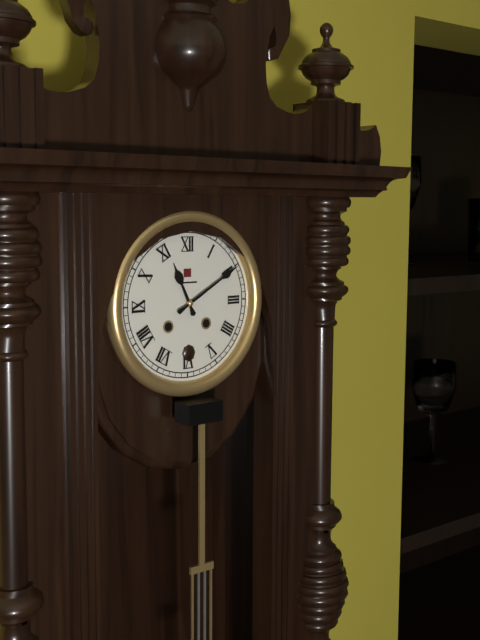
11:10
